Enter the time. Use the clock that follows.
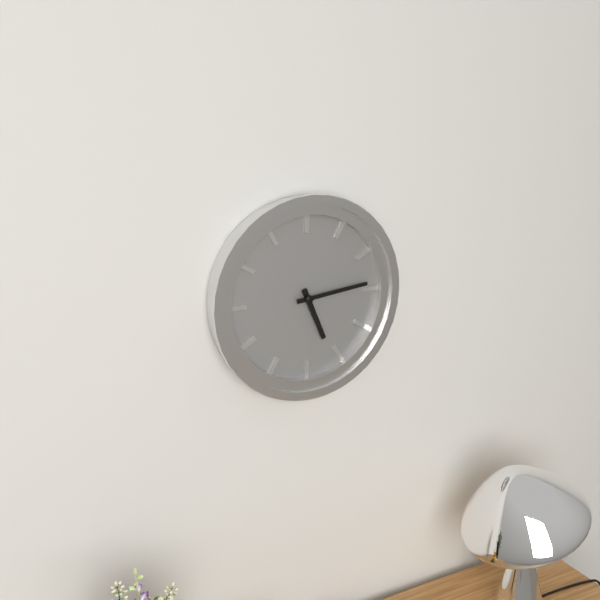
5:14
